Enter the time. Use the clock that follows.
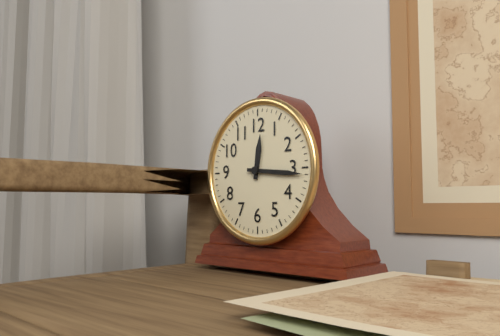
12:16
